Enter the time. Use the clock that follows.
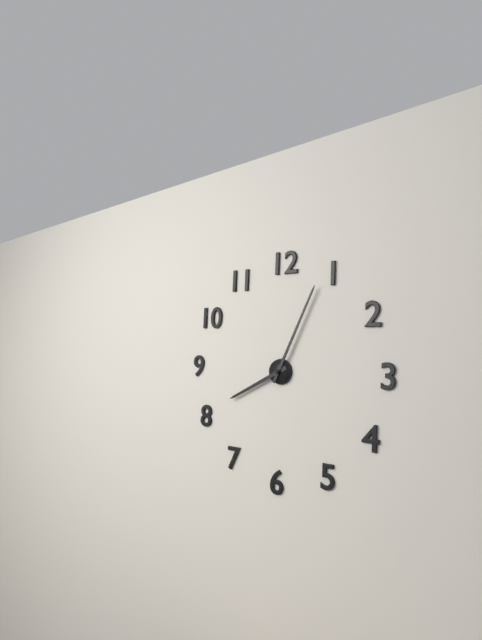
8:04
